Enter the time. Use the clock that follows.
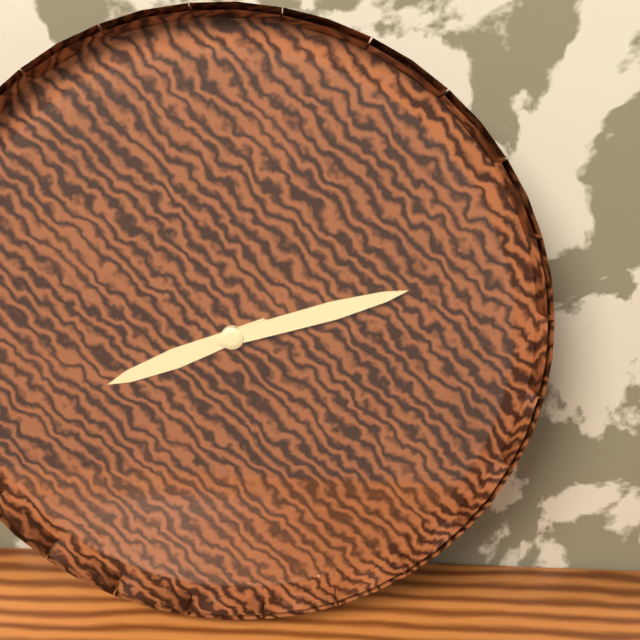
8:12
